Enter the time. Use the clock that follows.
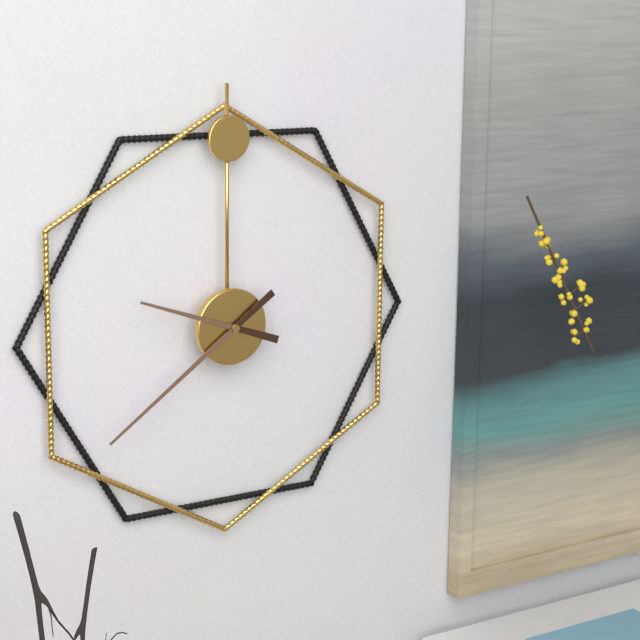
9:39
